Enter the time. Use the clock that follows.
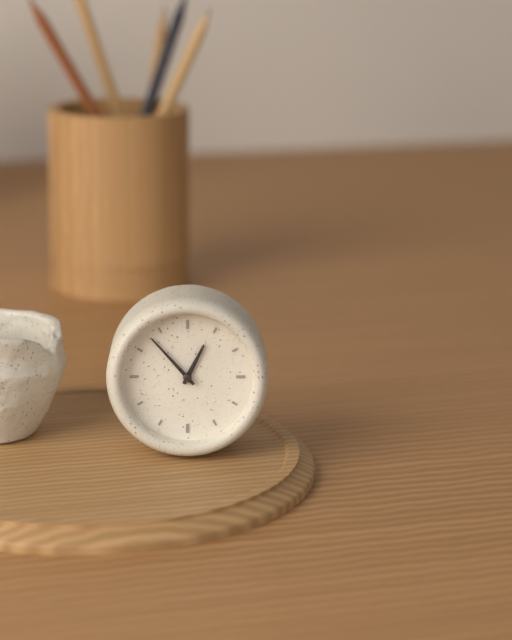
12:53
